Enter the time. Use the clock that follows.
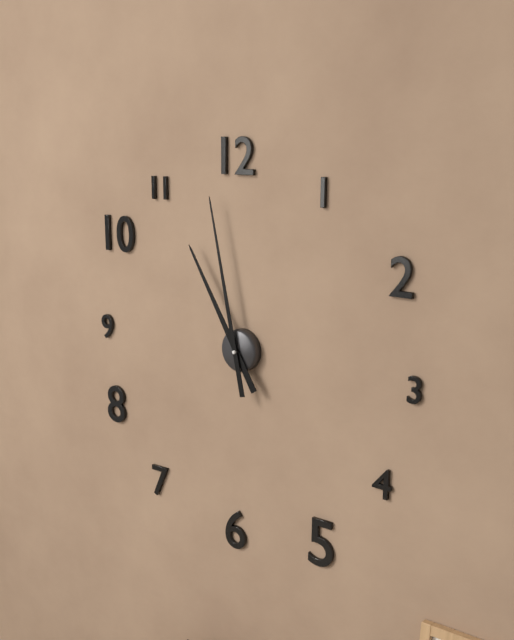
10:58
